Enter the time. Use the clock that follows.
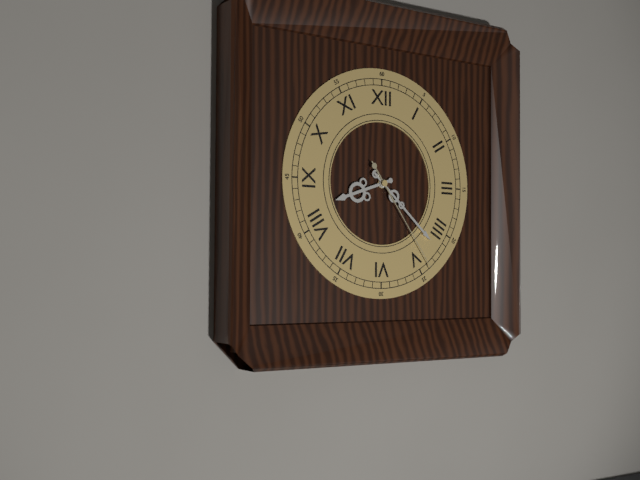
8:22:24
